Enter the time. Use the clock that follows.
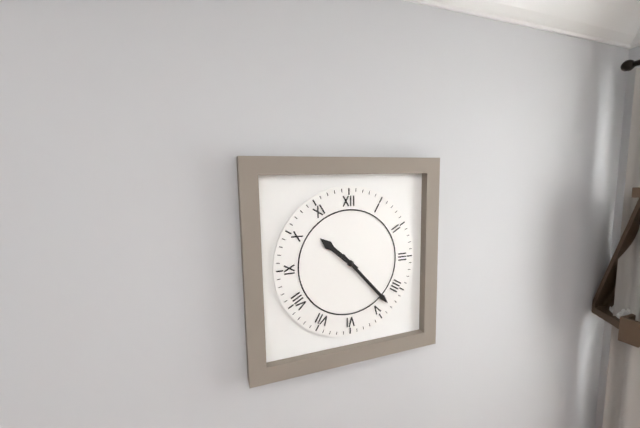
10:23
